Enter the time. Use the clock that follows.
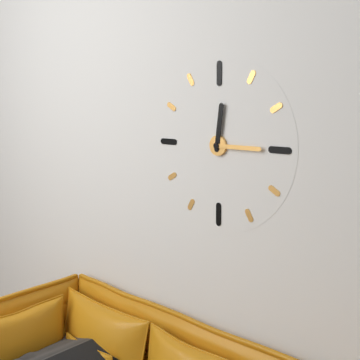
12:15
